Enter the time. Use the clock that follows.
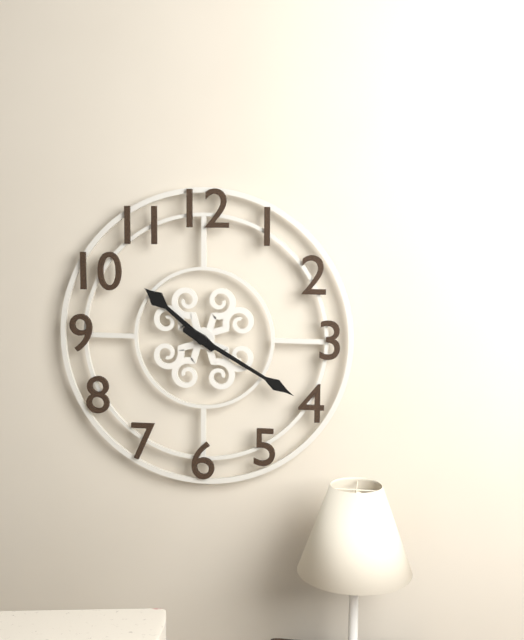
10:20
